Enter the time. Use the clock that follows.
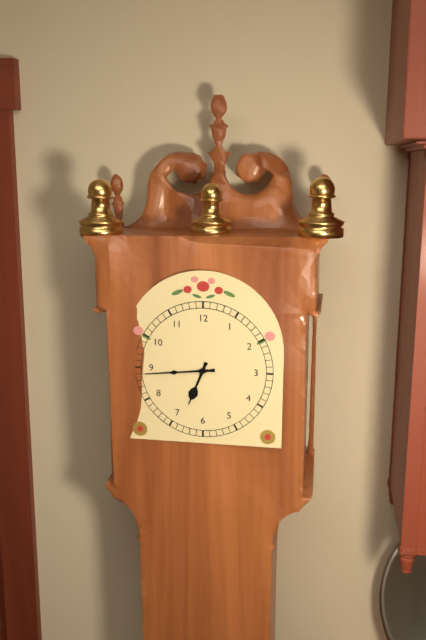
6:44
